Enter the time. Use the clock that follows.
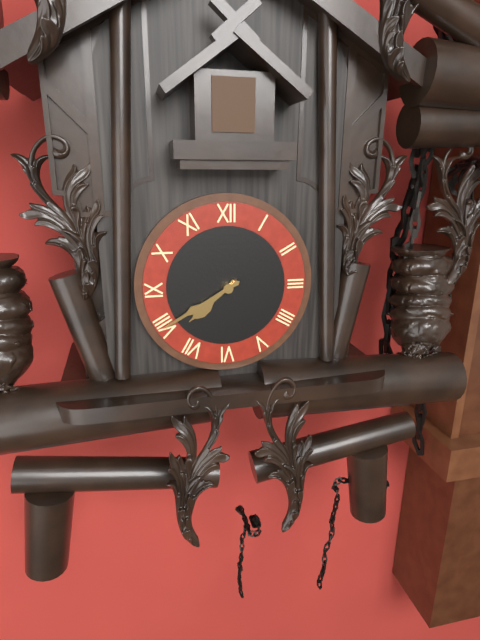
7:40
